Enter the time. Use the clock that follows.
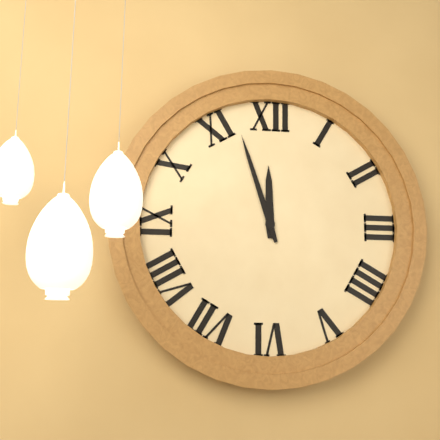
11:57
